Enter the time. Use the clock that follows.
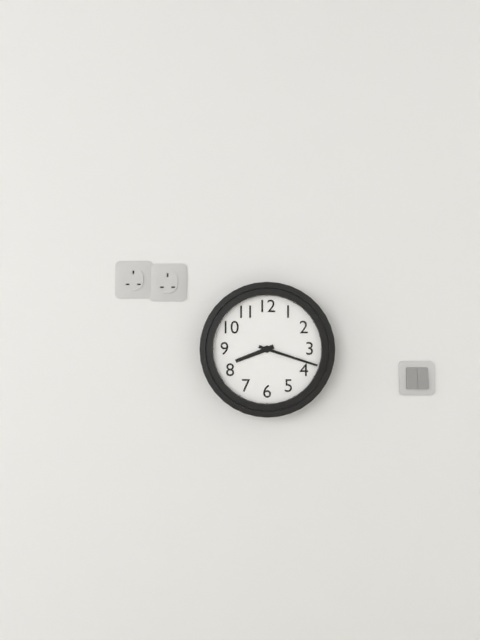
8:18
